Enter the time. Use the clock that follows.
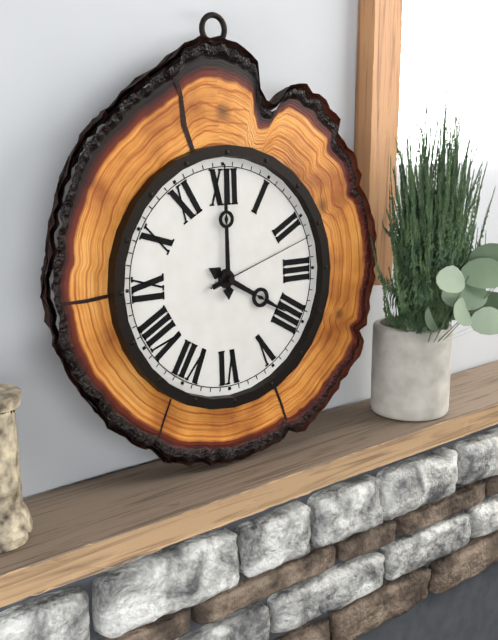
4:00:12
